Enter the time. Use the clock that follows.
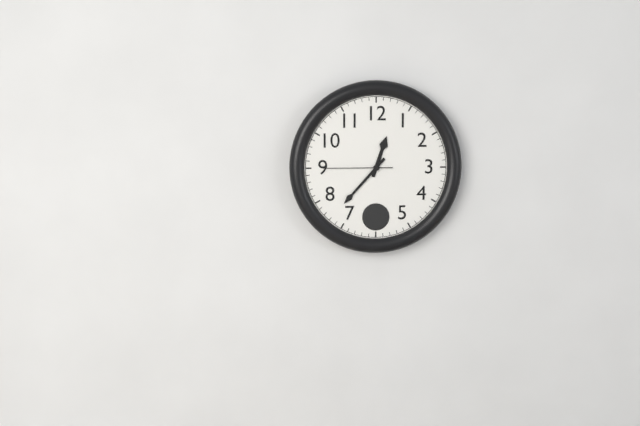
12:37:45
